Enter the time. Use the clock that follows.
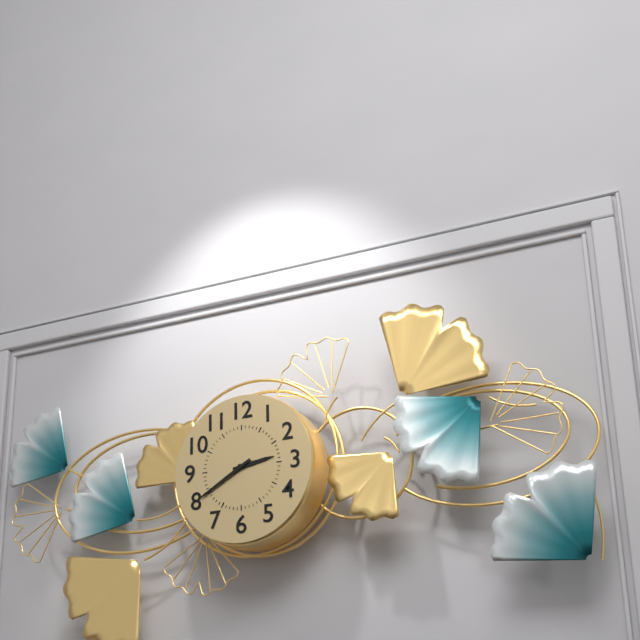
2:40
